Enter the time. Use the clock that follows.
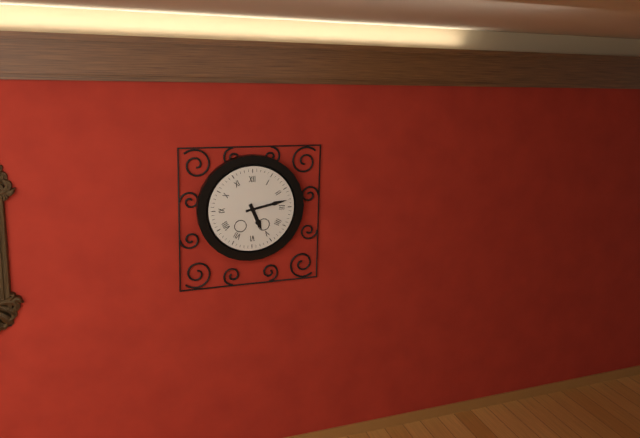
5:13
